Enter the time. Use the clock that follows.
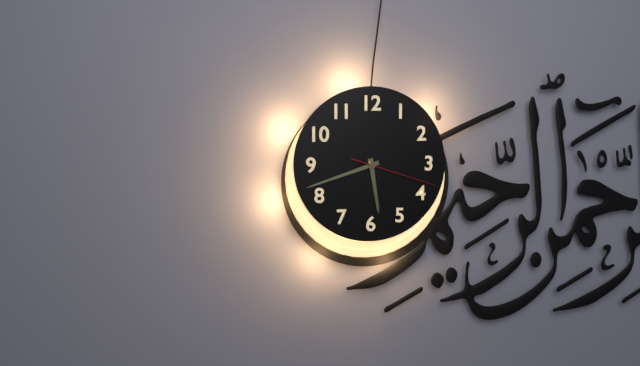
5:42:18
